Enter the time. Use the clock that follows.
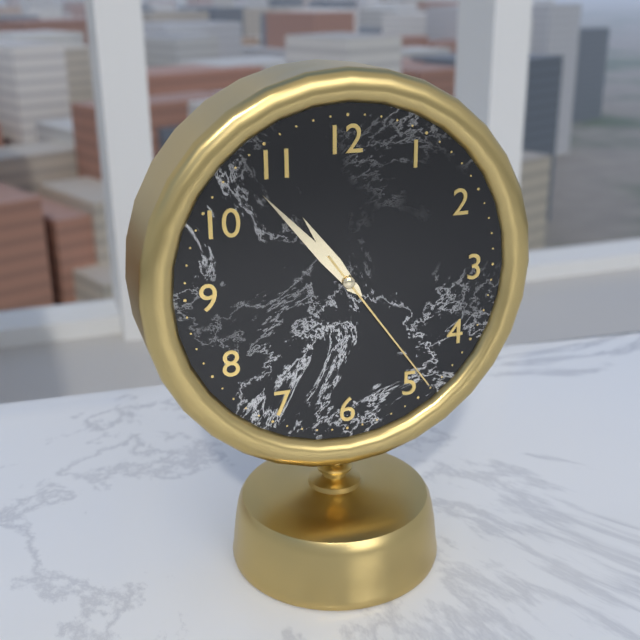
10:53:24
